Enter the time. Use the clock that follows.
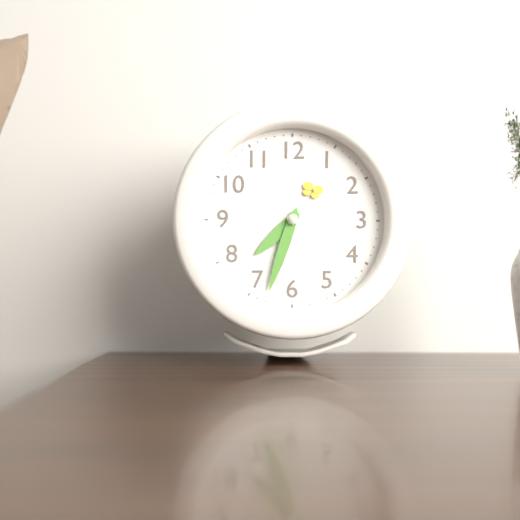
7:33
